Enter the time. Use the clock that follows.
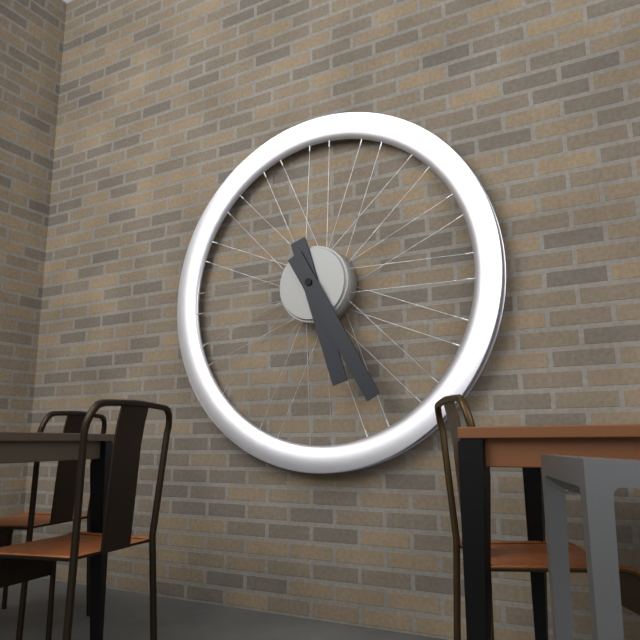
5:25
